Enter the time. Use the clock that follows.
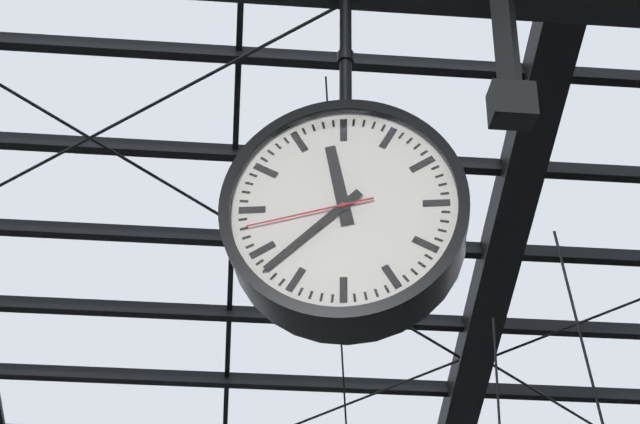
11:38:43
